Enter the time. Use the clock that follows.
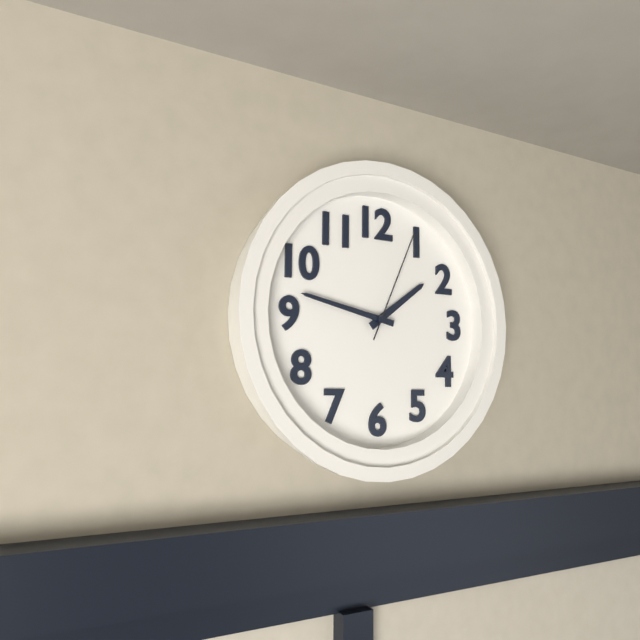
1:47:04
